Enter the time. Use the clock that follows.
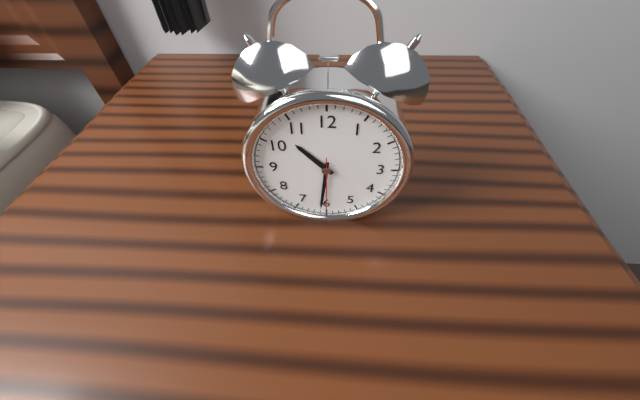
10:31:30
